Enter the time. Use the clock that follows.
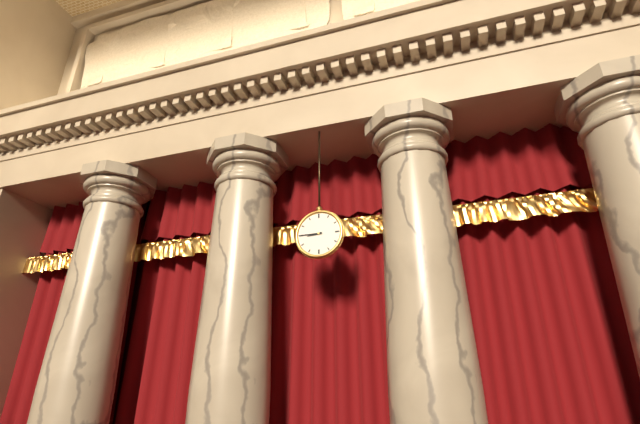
8:45
